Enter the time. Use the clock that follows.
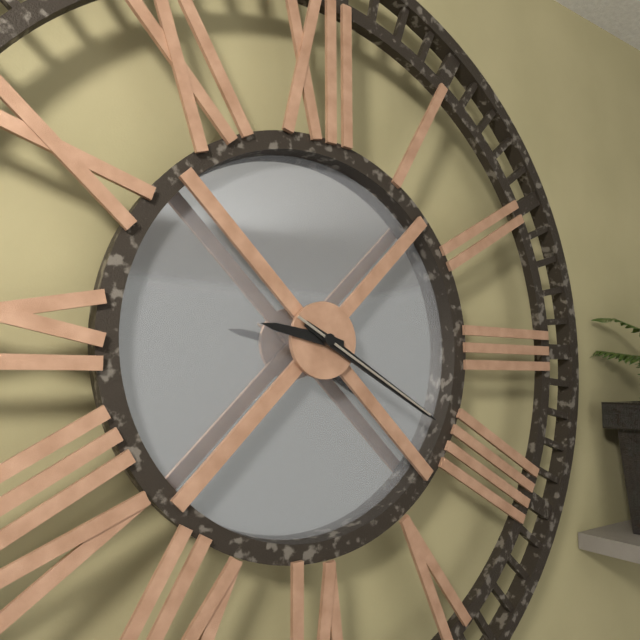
9:20:20
